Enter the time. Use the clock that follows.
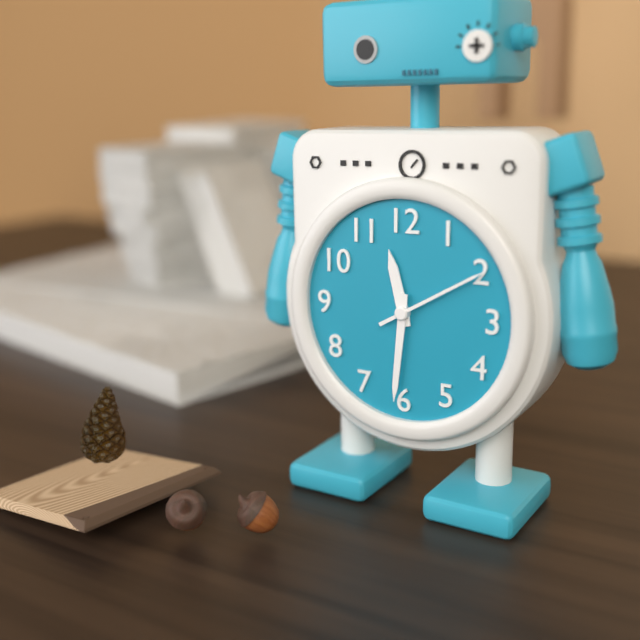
11:31:10
